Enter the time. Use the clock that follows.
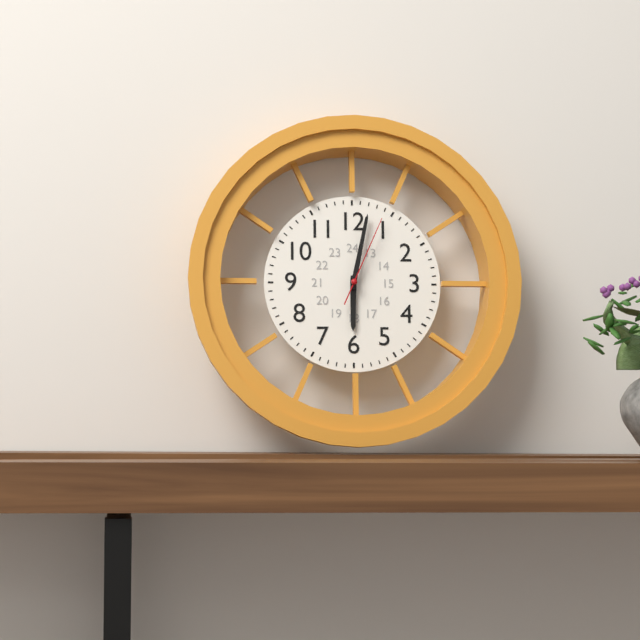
6:02:04
